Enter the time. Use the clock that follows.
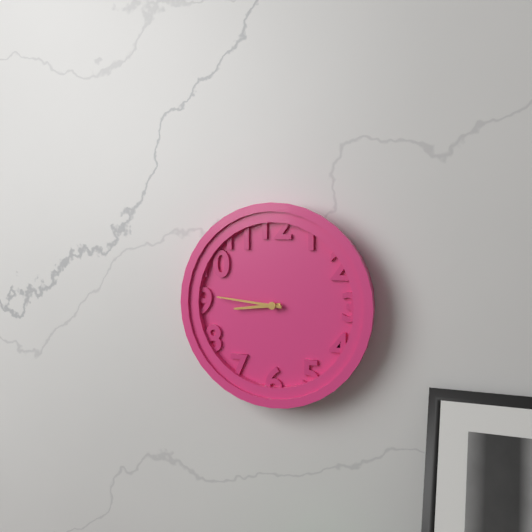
8:46
